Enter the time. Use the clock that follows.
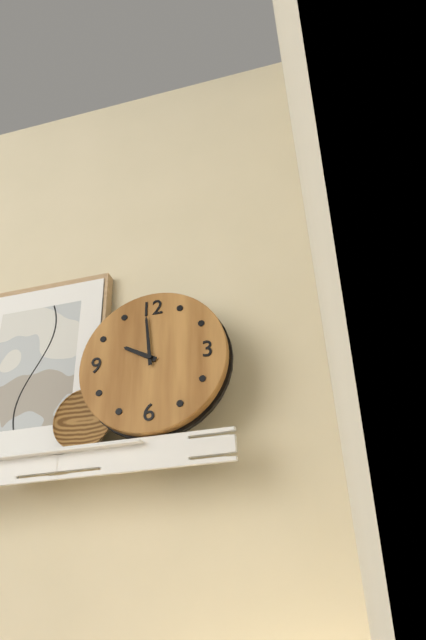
9:59
